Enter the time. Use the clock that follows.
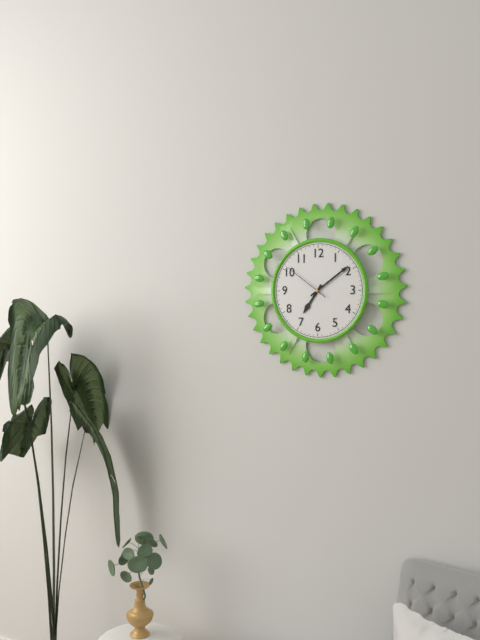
7:09
